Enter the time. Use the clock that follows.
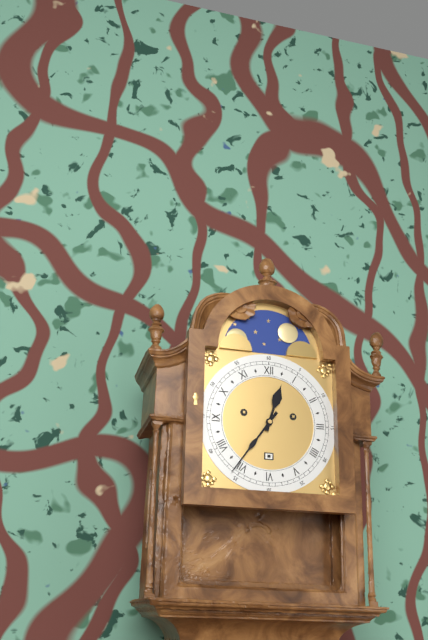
12:36
